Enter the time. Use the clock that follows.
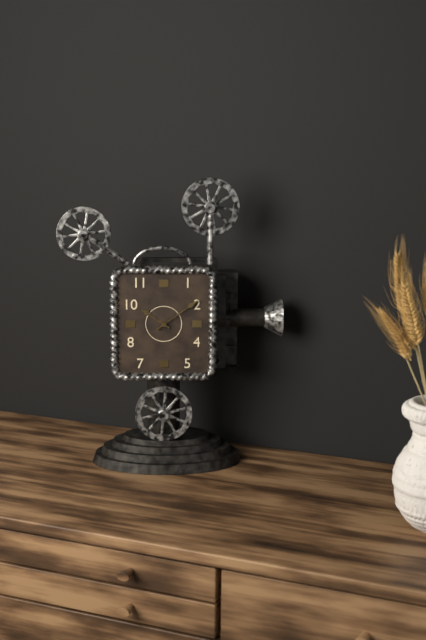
10:09
